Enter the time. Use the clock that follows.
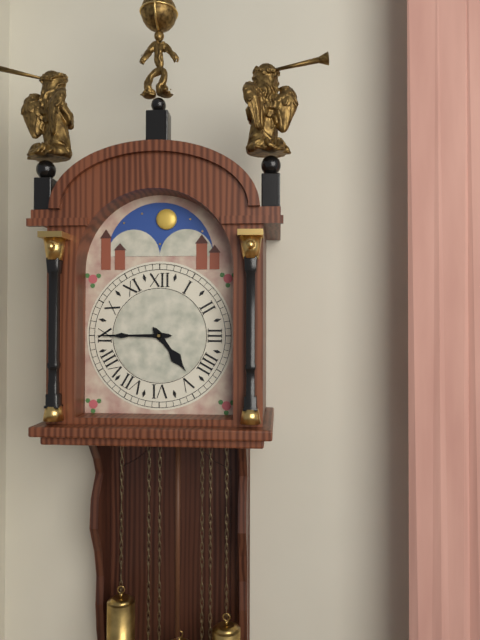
4:45
